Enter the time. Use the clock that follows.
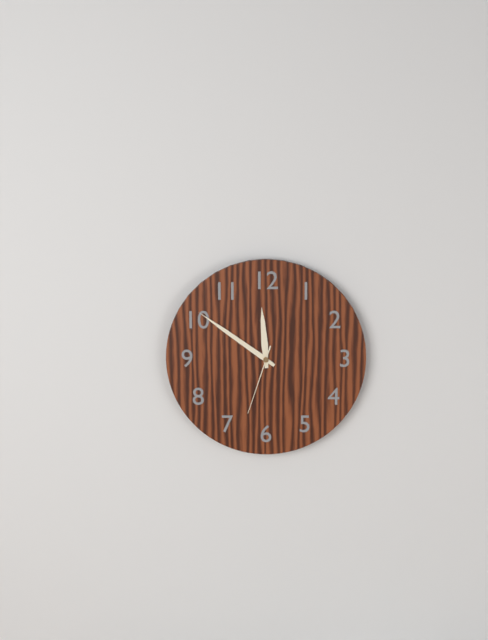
11:51:33
